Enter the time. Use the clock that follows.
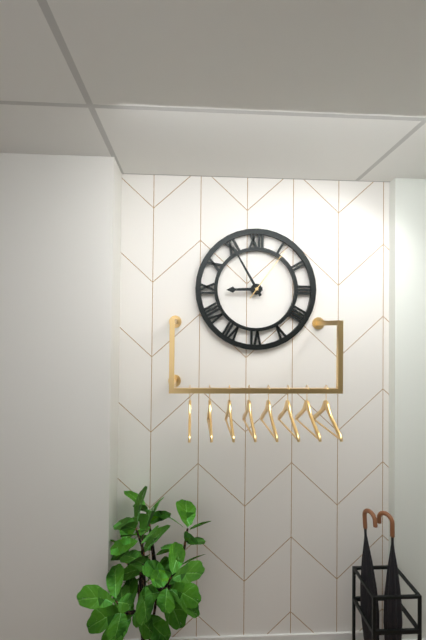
8:55:06
